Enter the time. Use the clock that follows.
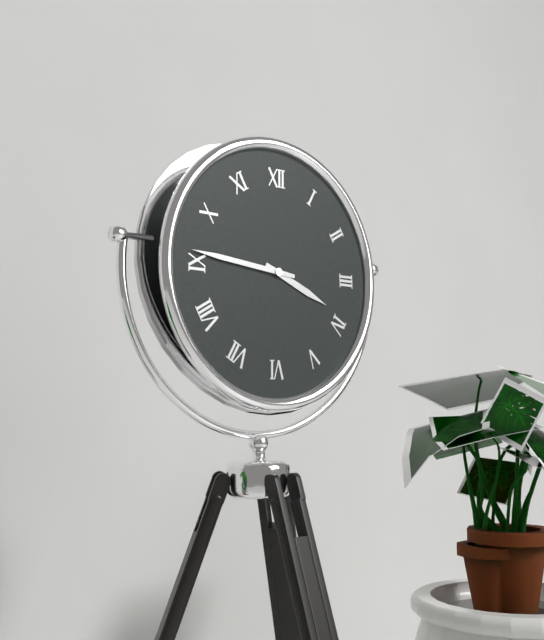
3:46
